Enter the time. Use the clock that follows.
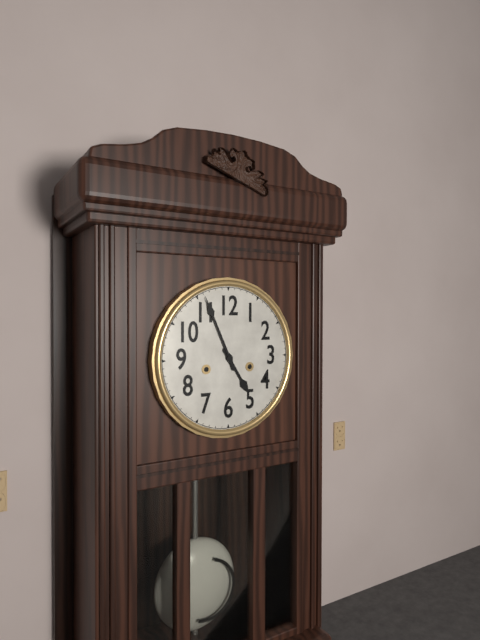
4:56
